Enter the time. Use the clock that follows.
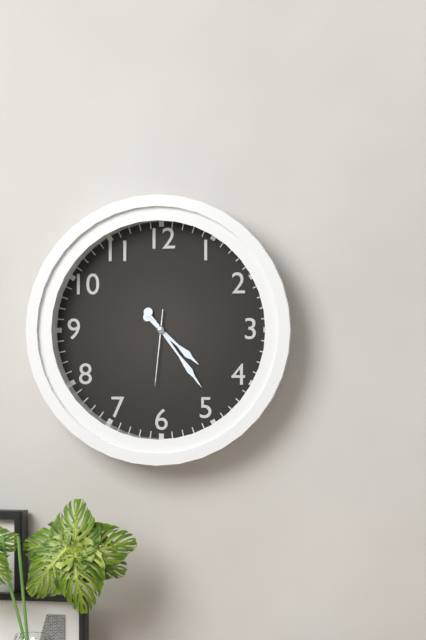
4:24:31
